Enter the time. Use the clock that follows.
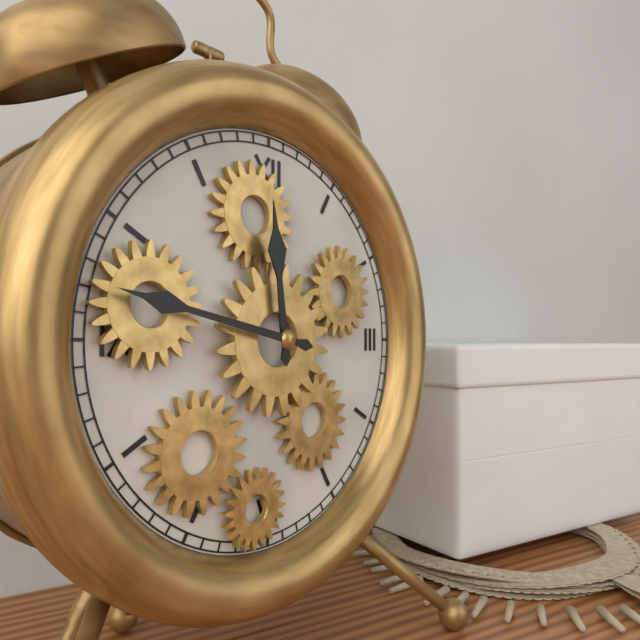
11:47
